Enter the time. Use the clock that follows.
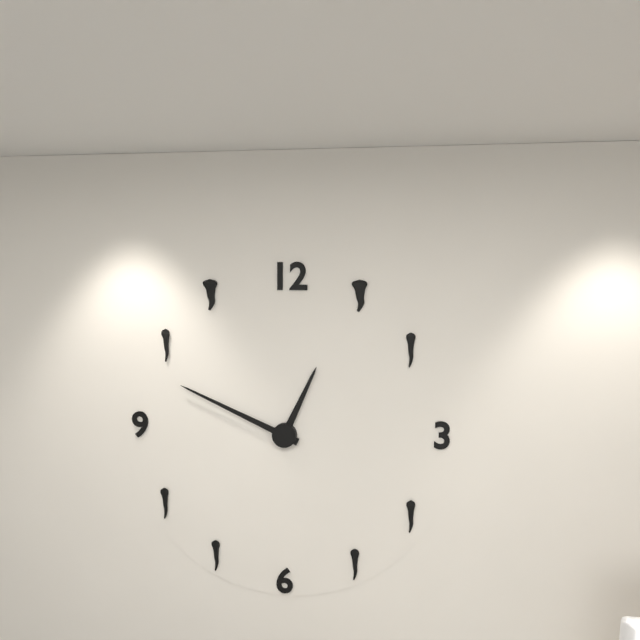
12:49
